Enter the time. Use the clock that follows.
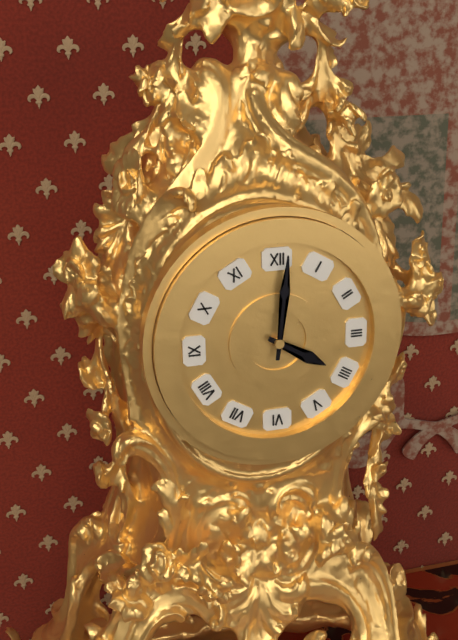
4:01
